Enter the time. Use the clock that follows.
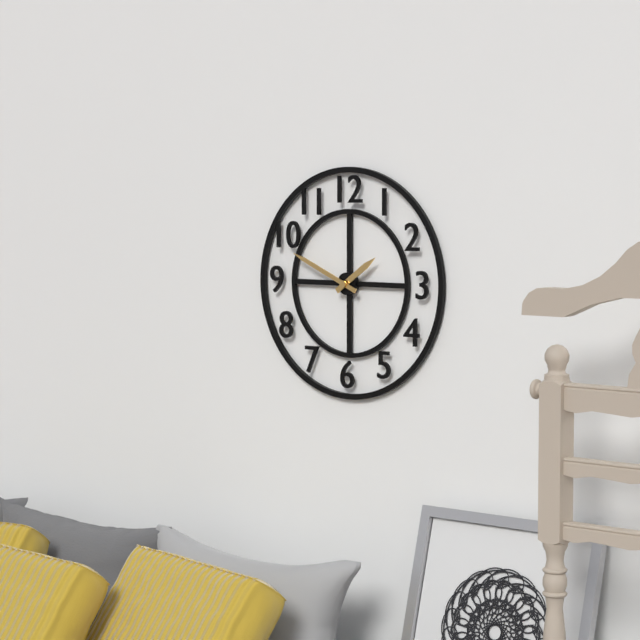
1:49
